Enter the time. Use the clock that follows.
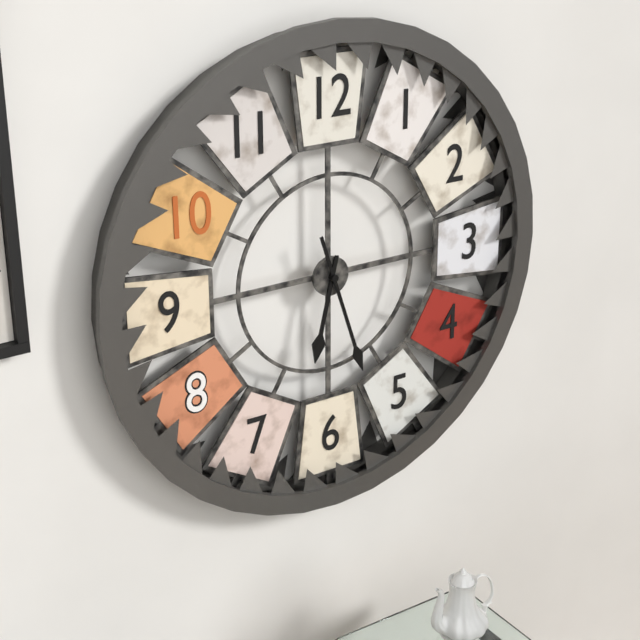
6:27
